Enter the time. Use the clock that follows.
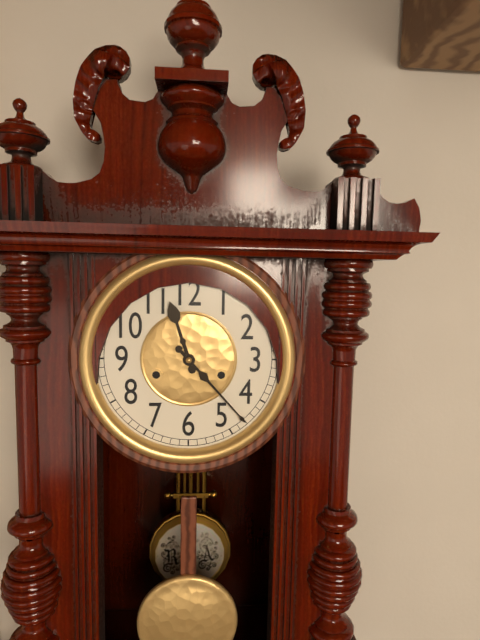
11:23
